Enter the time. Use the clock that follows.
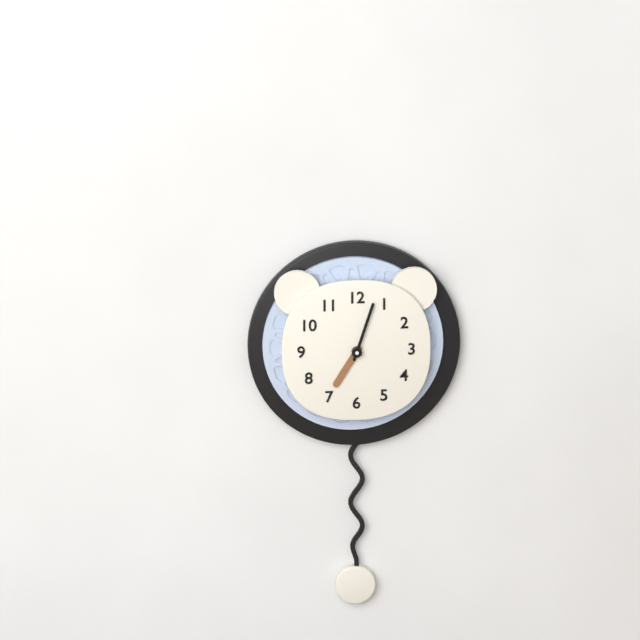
7:03
